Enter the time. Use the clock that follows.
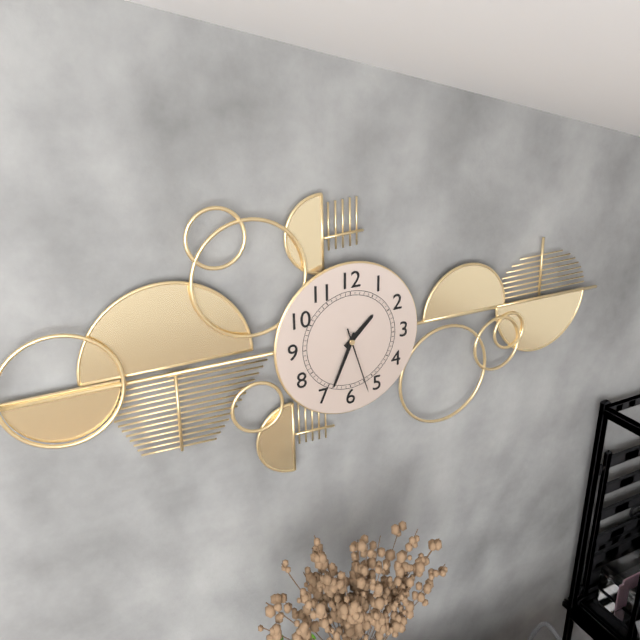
1:34:27
